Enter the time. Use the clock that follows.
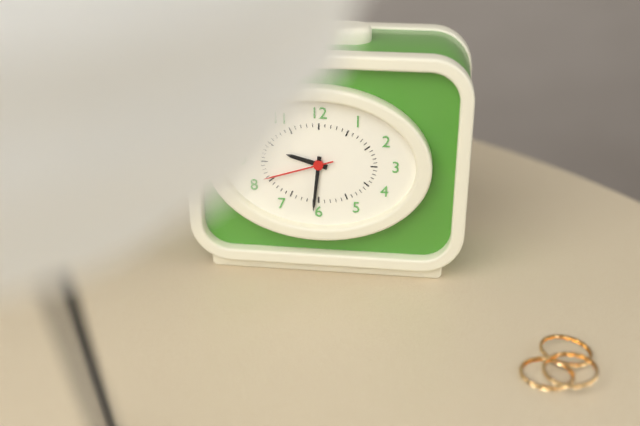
9:31:42
